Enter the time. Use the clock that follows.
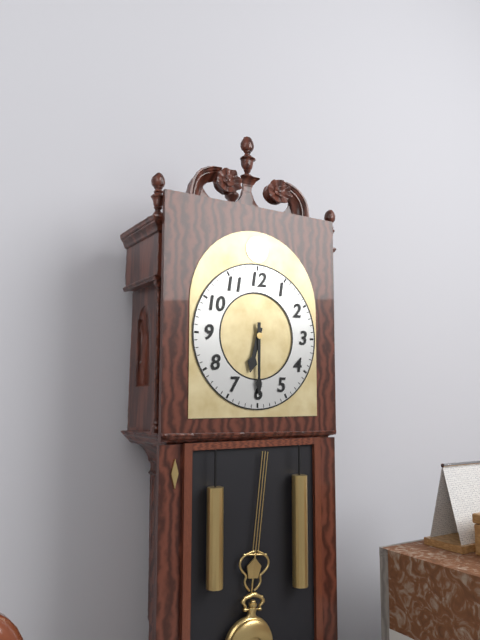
6:30
